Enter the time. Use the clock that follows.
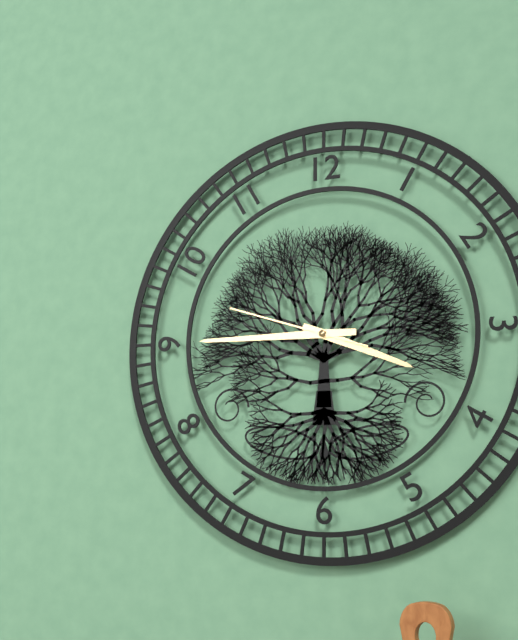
3:45:48
